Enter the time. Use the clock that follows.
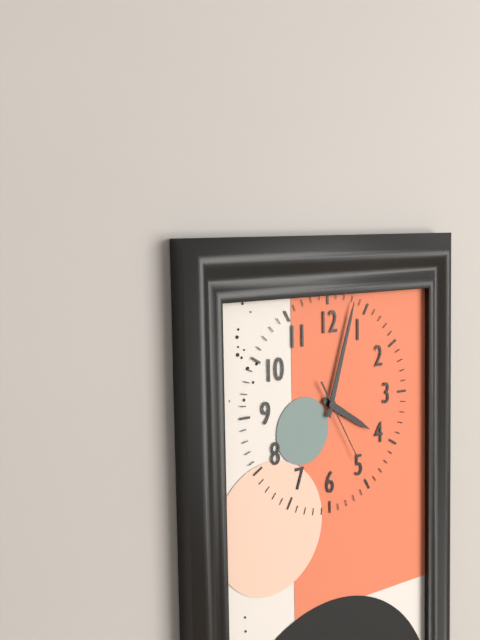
4:03:25
